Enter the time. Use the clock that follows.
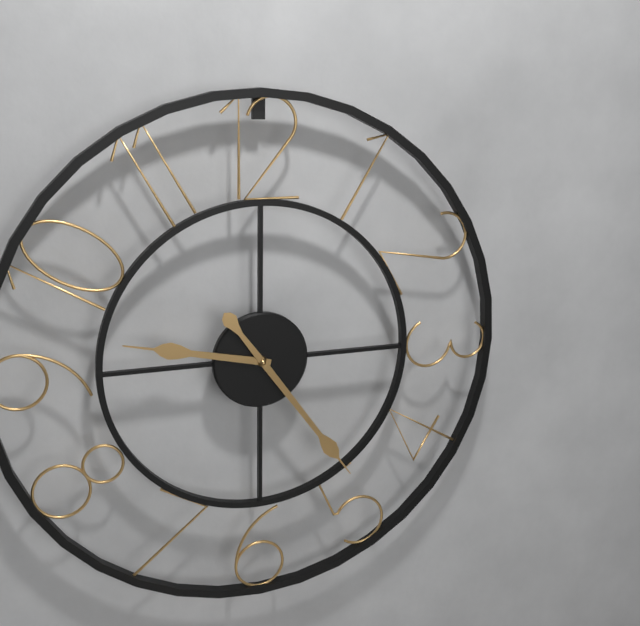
9:24
